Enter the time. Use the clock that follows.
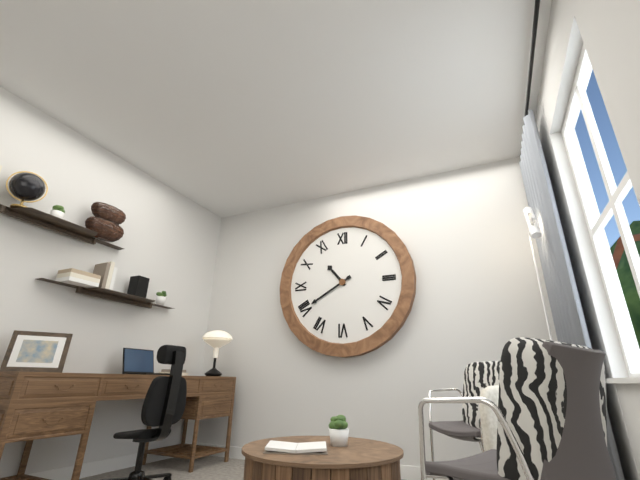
10:40
